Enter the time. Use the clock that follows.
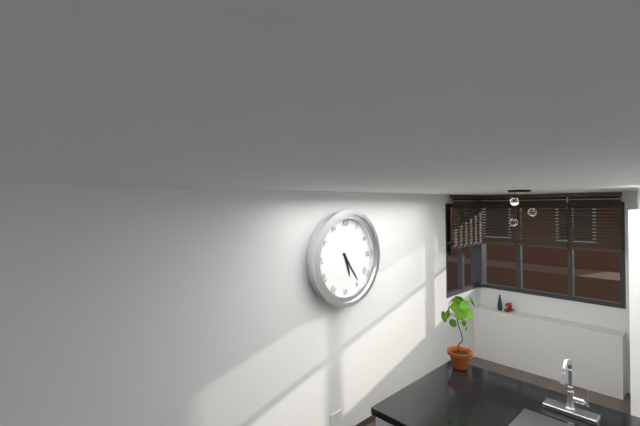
5:24
